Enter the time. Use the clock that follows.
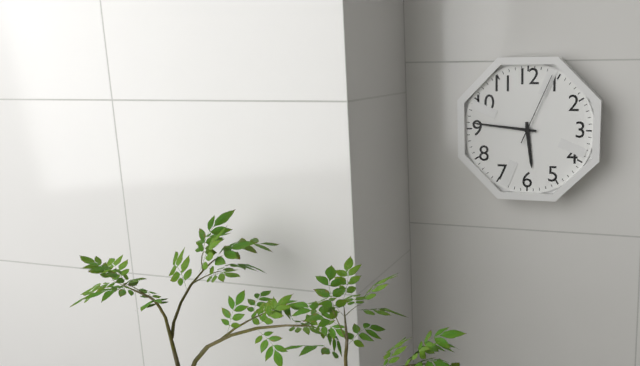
5:46:04
